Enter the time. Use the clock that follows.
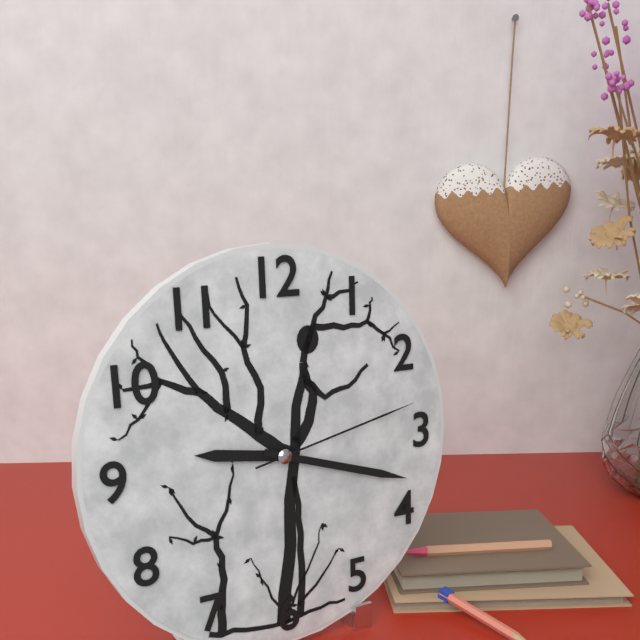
9:18:13
